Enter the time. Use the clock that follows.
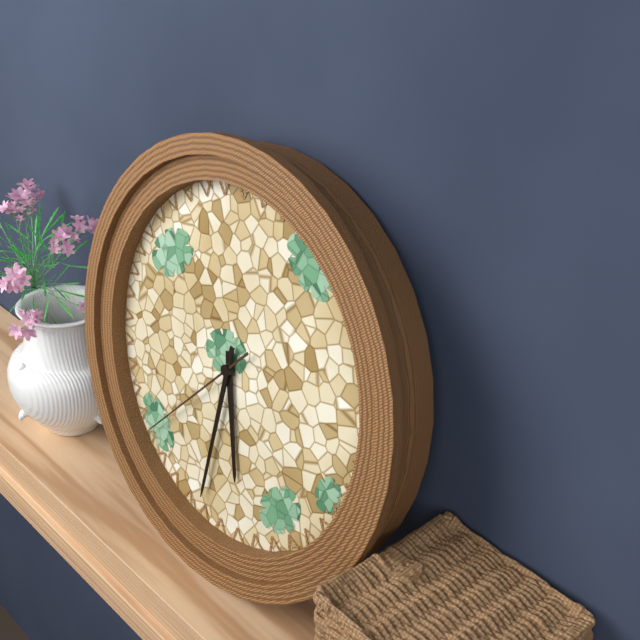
5:31:37
